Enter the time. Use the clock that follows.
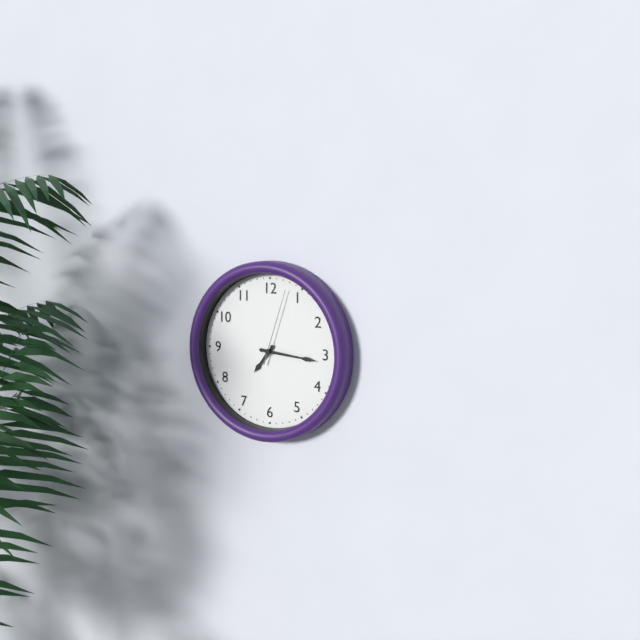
7:16:03
